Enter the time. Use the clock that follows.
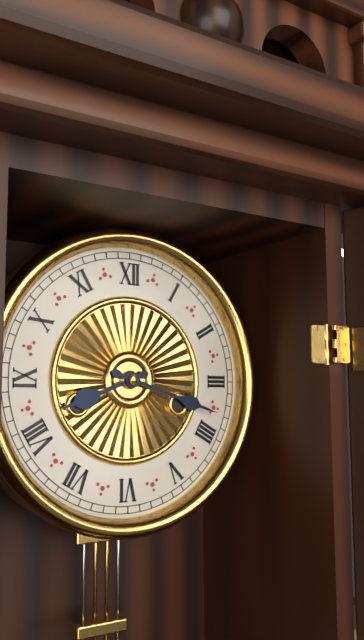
8:18
